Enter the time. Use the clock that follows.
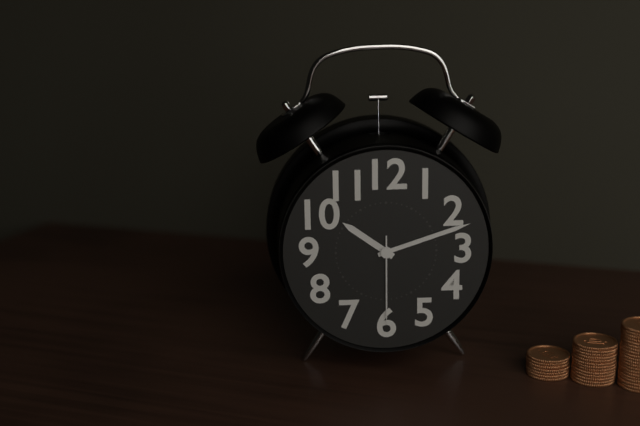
10:12:30
